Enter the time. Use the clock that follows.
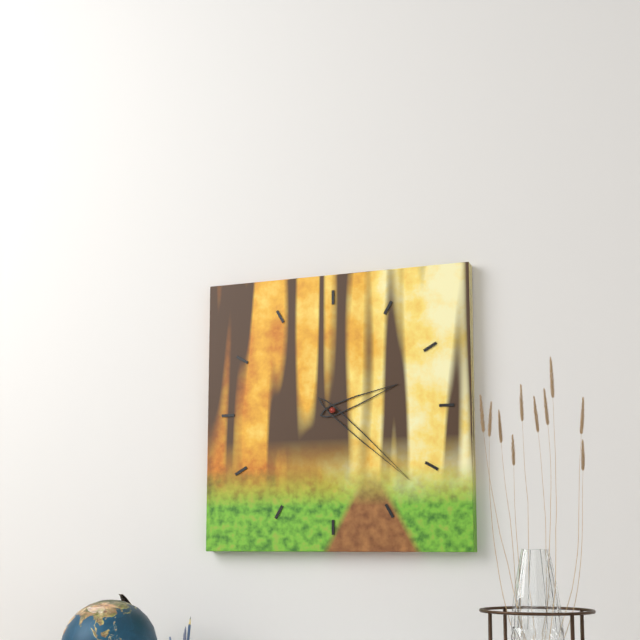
2:22
